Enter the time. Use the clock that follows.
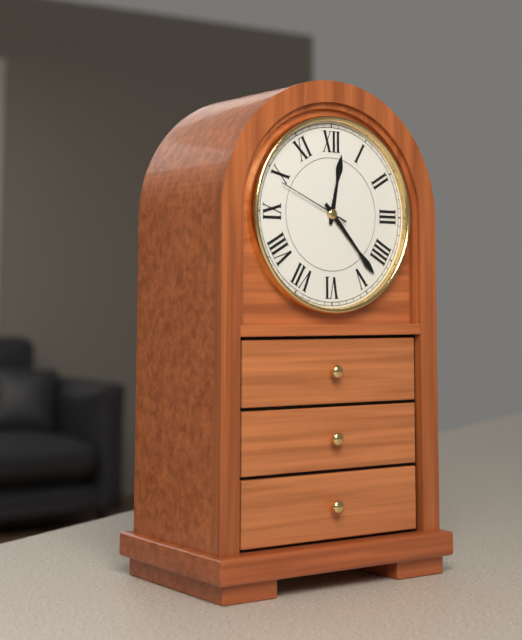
12:23:49
